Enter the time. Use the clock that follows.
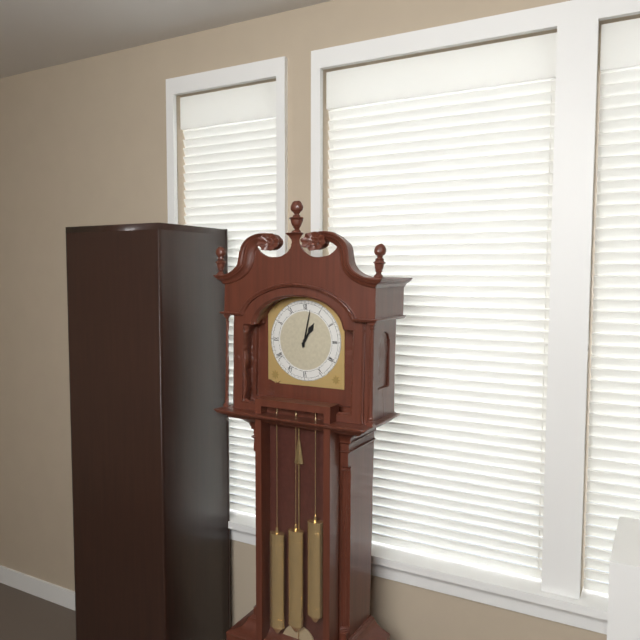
1:02
